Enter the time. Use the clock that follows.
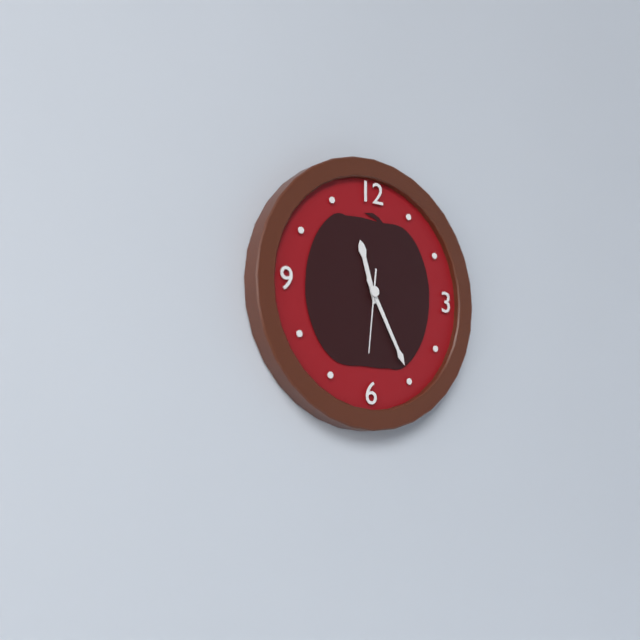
11:25:31
